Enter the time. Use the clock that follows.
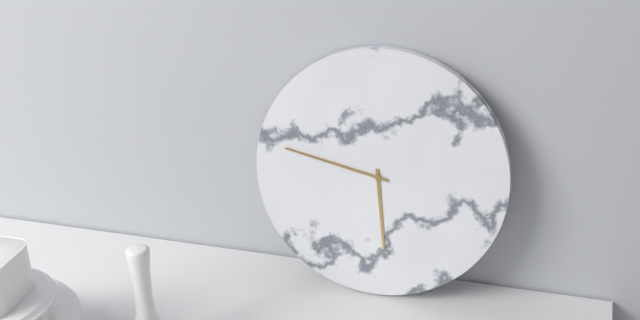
5:47
